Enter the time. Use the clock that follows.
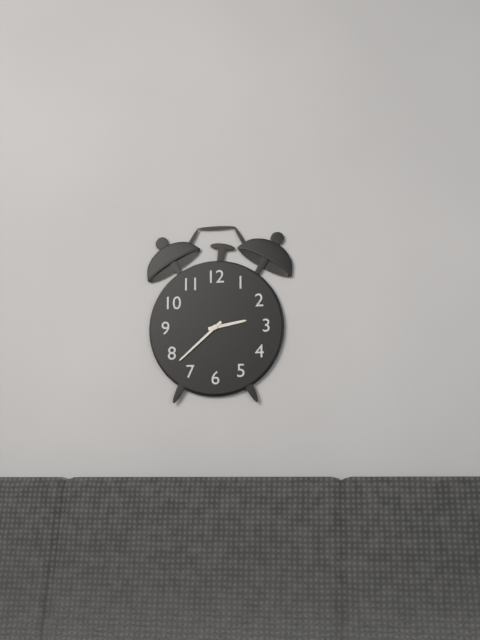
2:38
